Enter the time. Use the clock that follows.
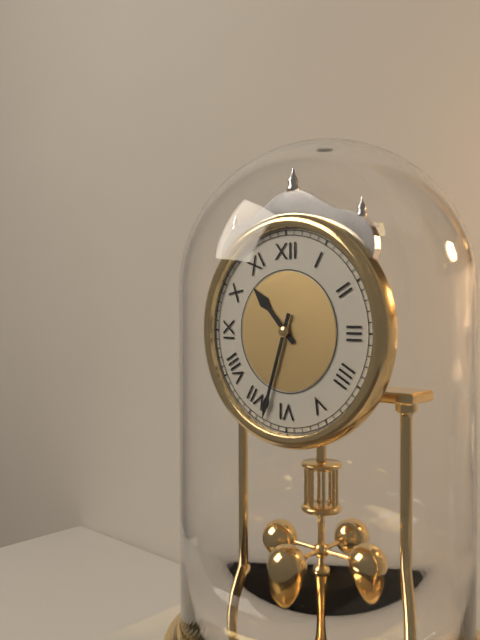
10:33
